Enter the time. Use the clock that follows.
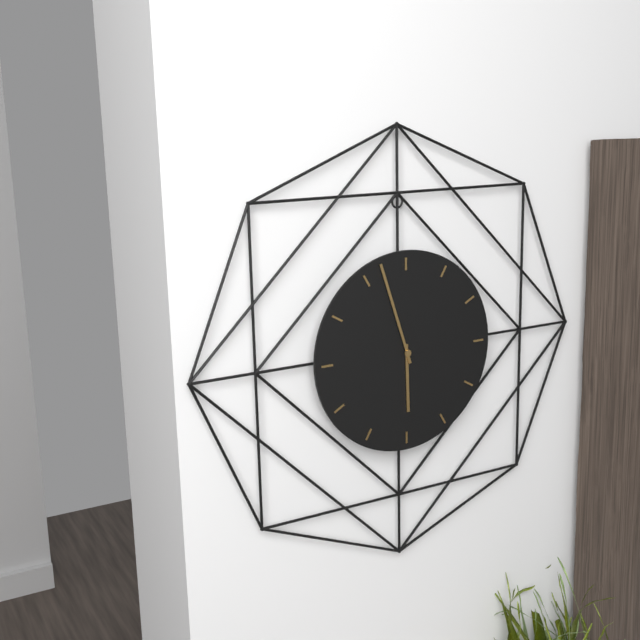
5:57
